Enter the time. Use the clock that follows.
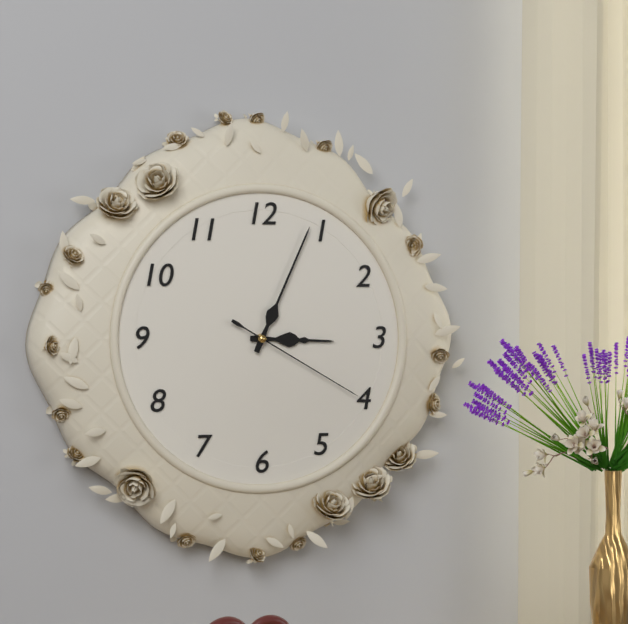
3:04:20
